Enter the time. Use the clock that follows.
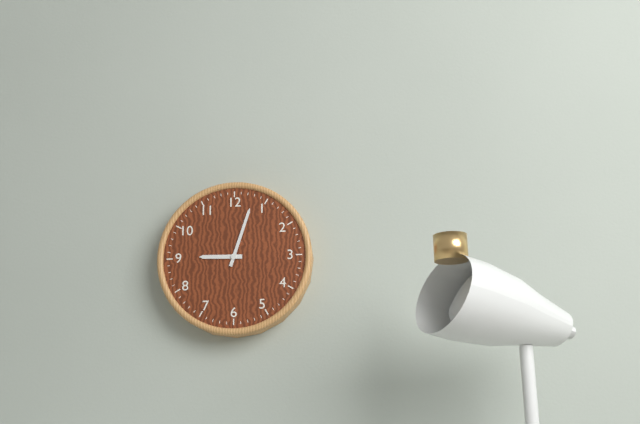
9:03
